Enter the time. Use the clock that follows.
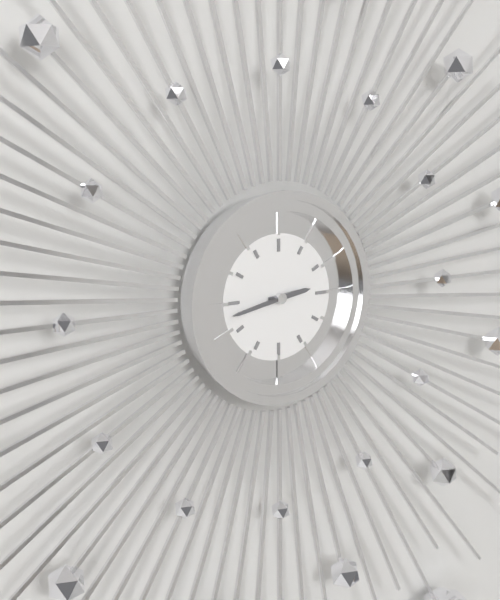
2:43
